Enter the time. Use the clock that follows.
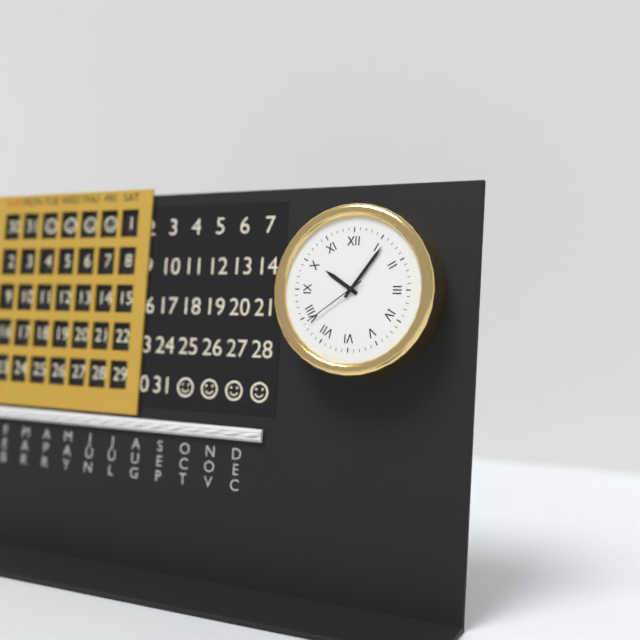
10:06:39
